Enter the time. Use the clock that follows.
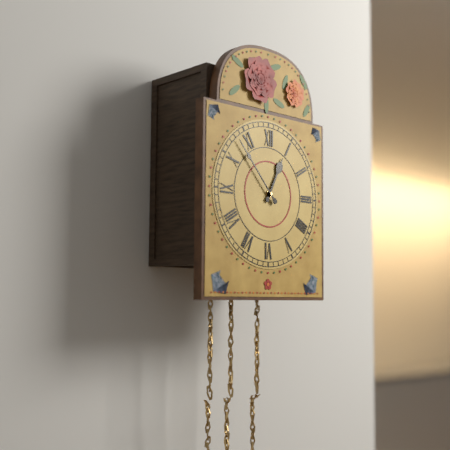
12:53
